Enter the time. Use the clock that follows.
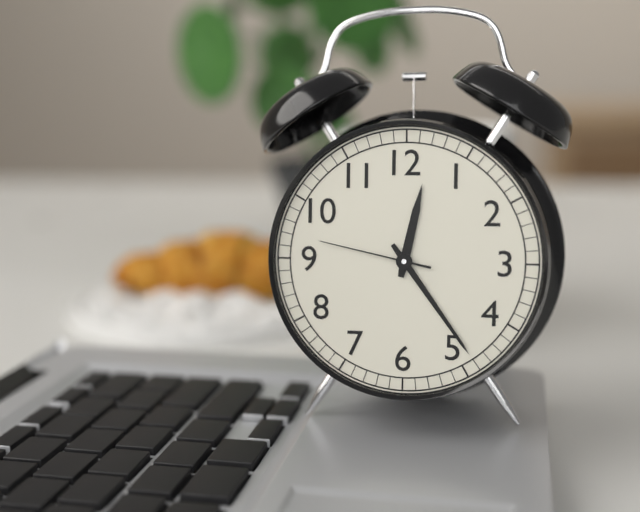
12:24:47
